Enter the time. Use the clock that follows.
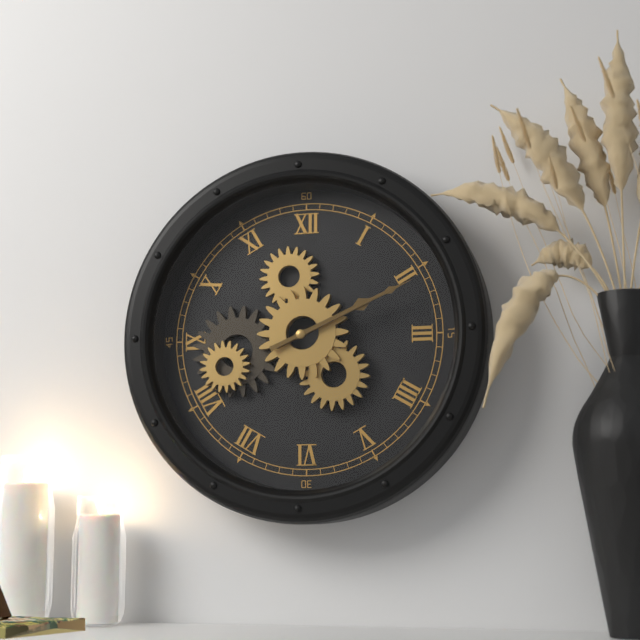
2:11
